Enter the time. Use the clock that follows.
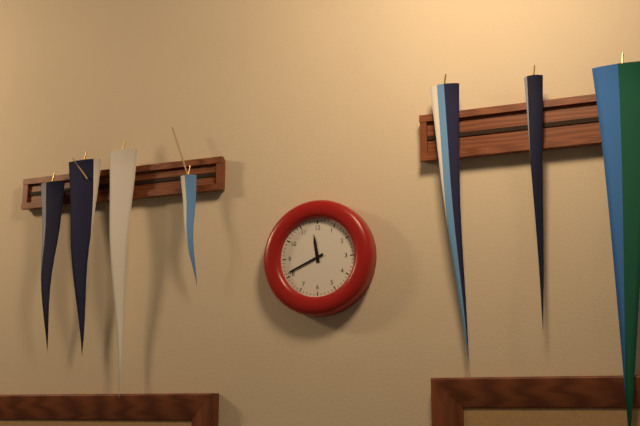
11:41
